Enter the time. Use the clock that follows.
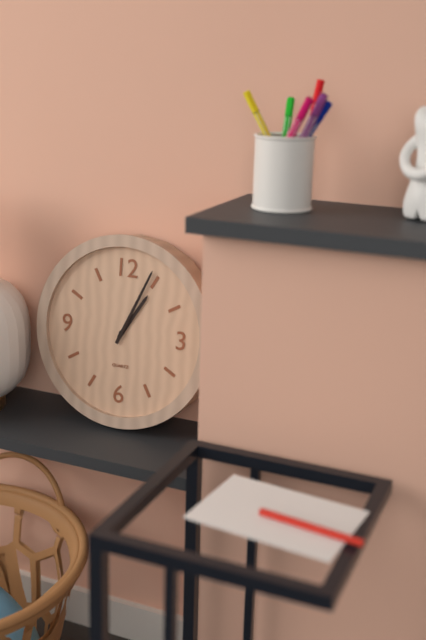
1:04
